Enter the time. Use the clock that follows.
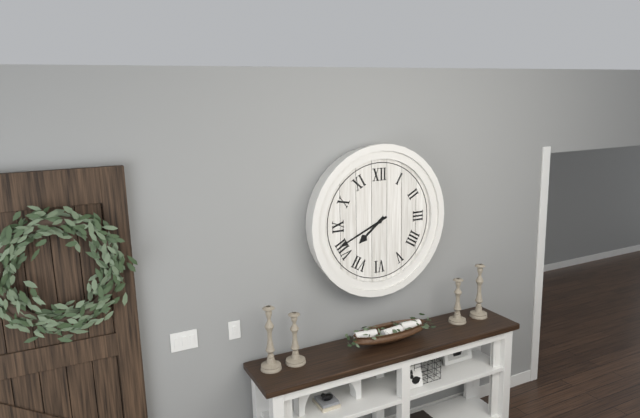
7:41
